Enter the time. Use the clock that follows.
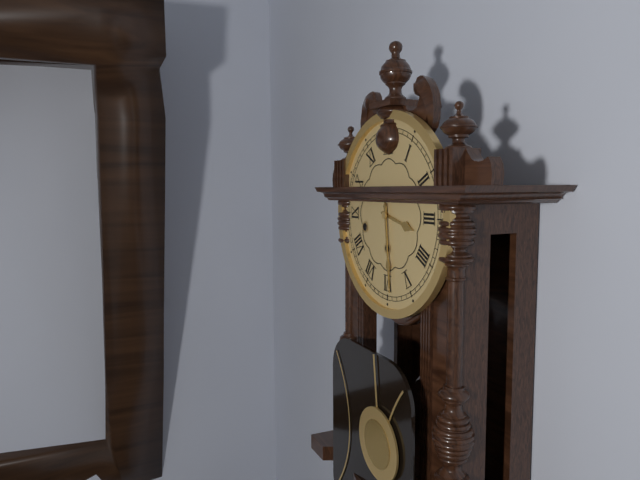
3:29
